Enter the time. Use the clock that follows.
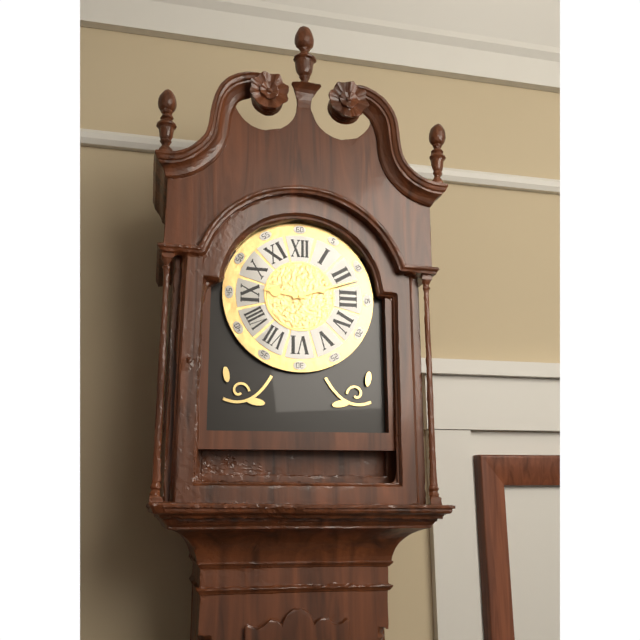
9:12
